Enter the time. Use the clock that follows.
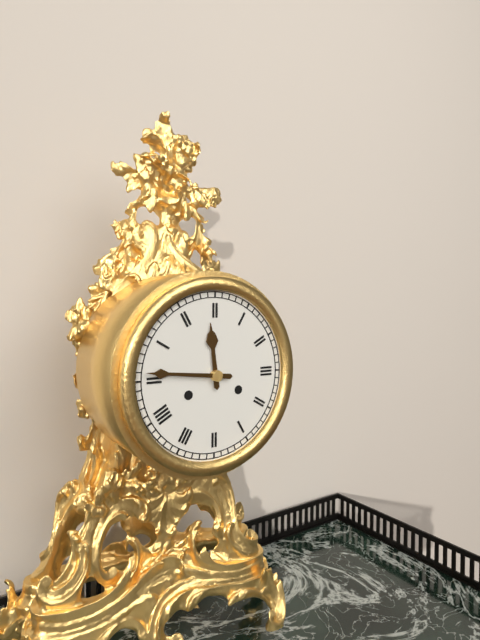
11:46
